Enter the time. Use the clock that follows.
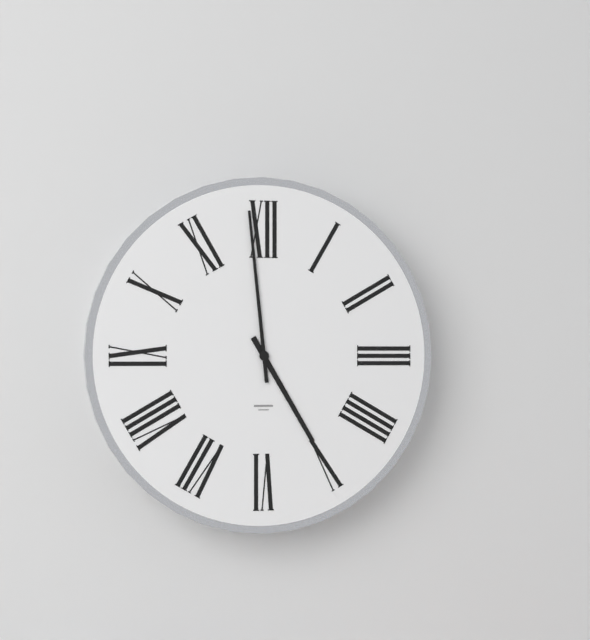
4:59
